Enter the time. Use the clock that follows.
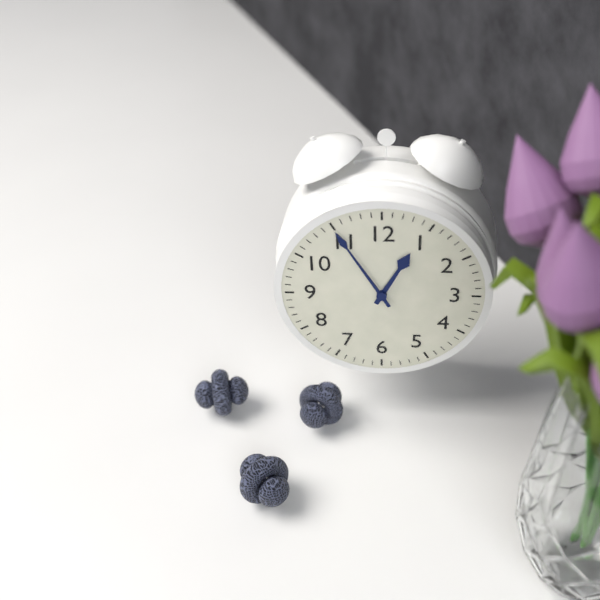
12:55
